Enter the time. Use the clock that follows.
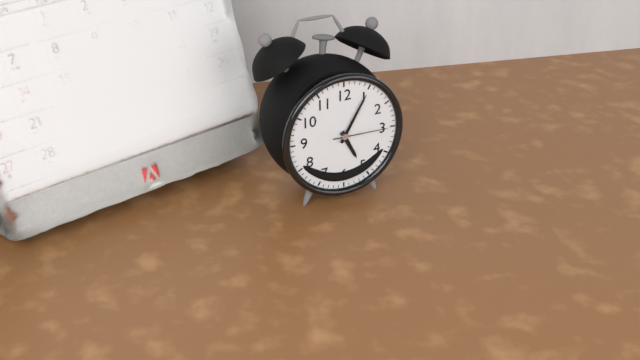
5:05:15
